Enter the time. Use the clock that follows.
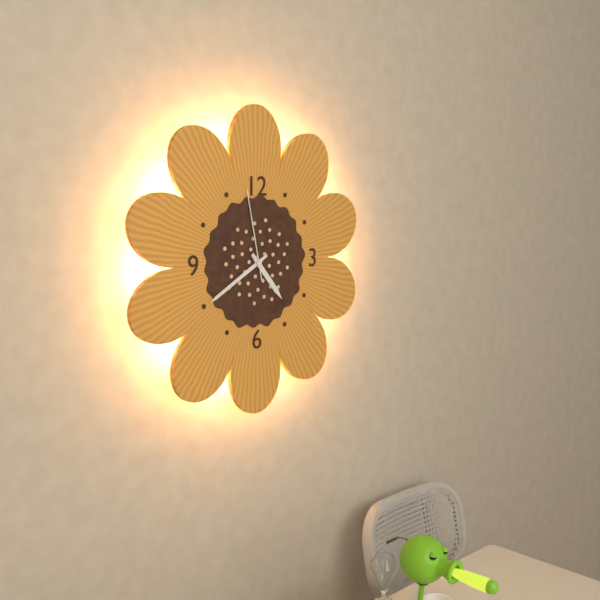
4:40:58
